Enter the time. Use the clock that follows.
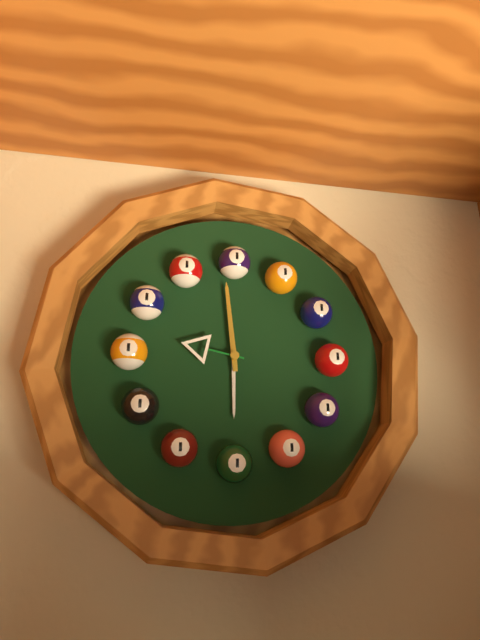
5:59:47
